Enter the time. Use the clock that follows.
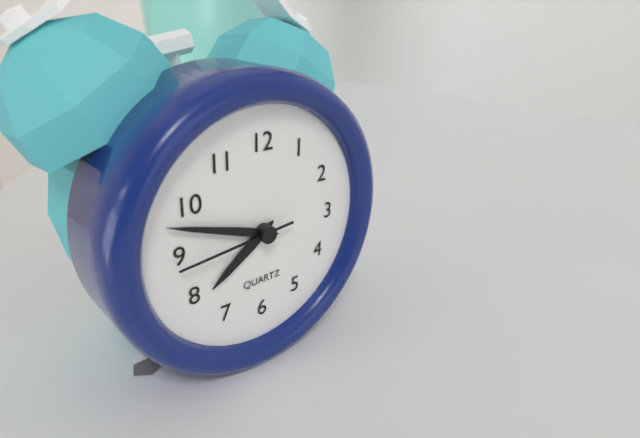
7:48:44
